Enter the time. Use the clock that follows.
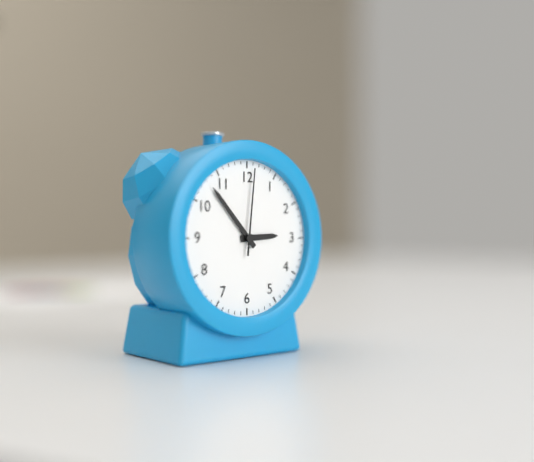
2:53:01
